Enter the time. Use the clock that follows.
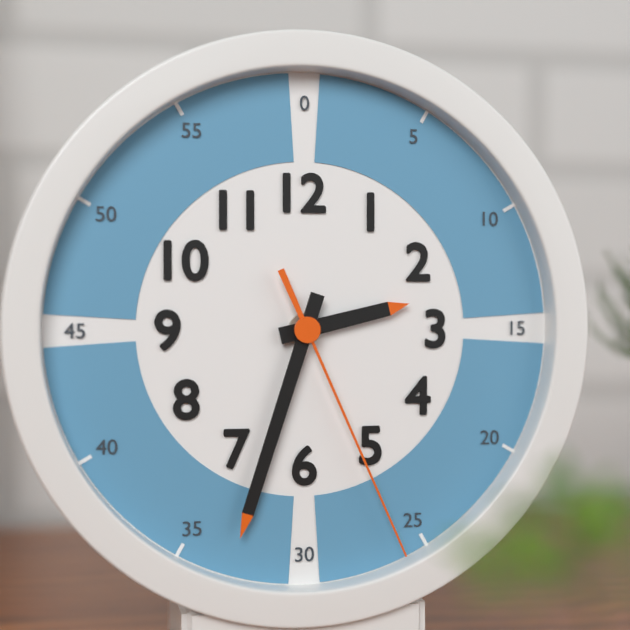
2:33:26
